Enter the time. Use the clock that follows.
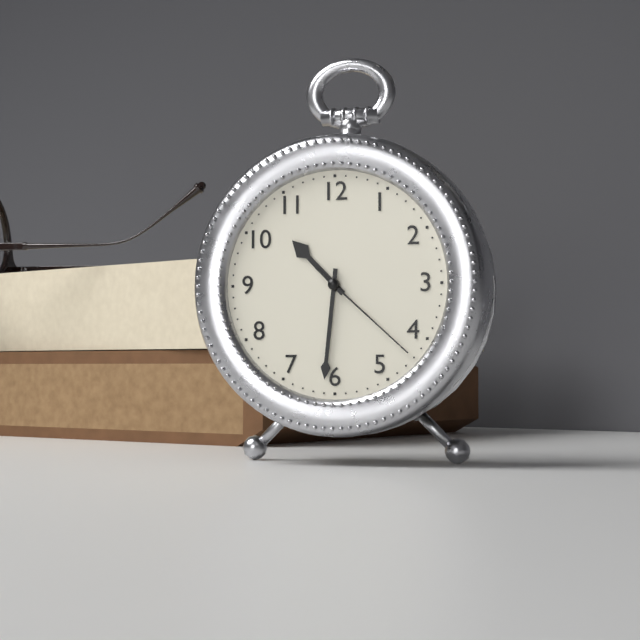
10:31:22
